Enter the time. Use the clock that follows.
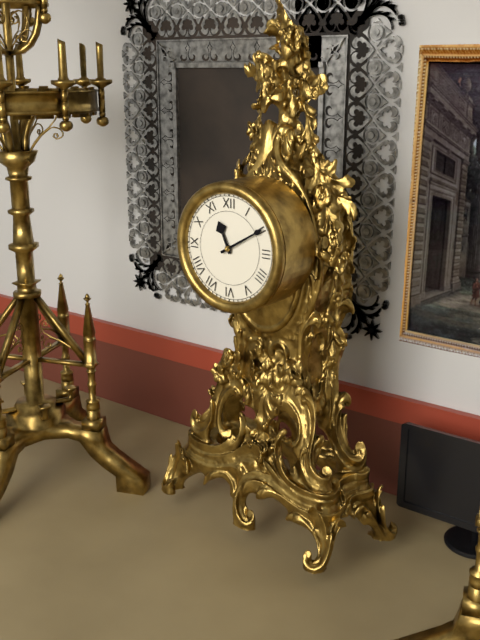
11:10
